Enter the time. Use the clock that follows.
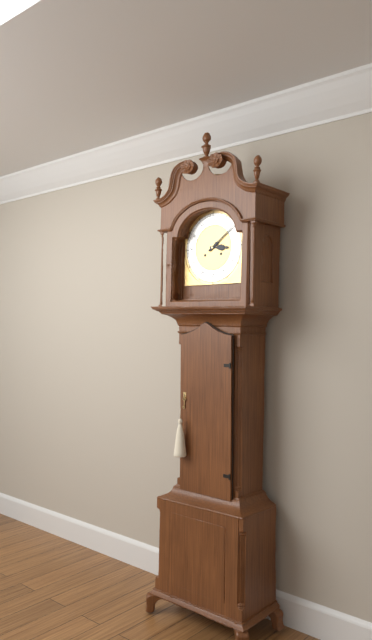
3:09
